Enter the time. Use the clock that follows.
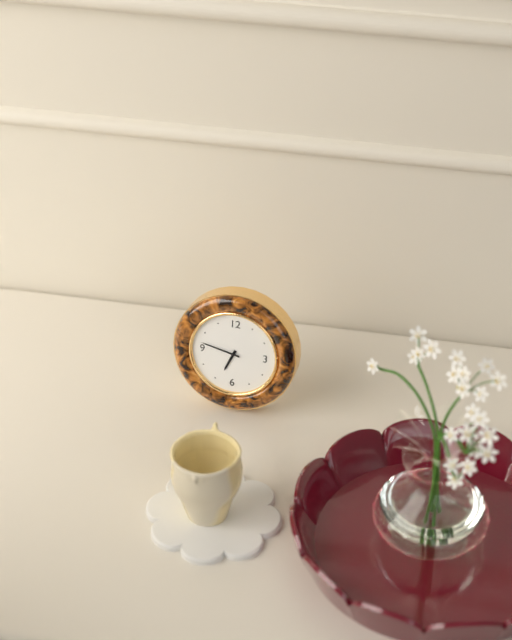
6:47
